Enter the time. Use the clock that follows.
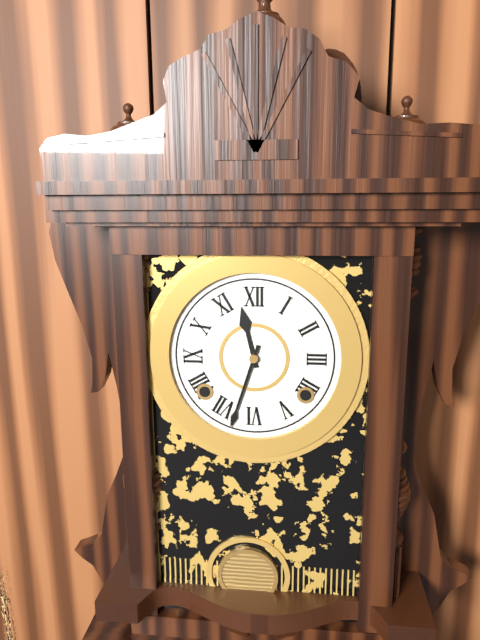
11:33
